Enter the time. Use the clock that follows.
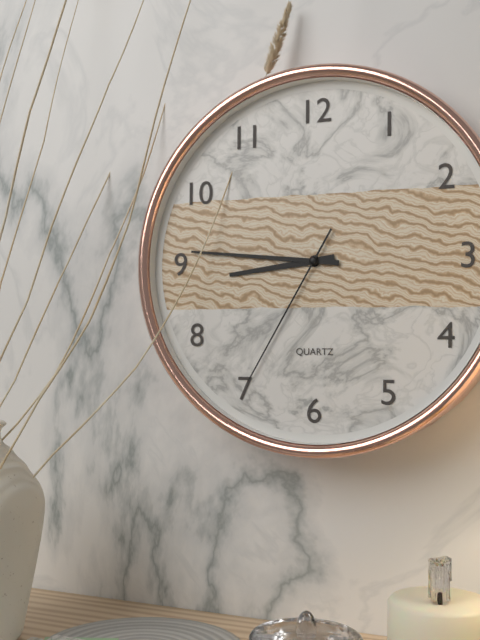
8:46:35
